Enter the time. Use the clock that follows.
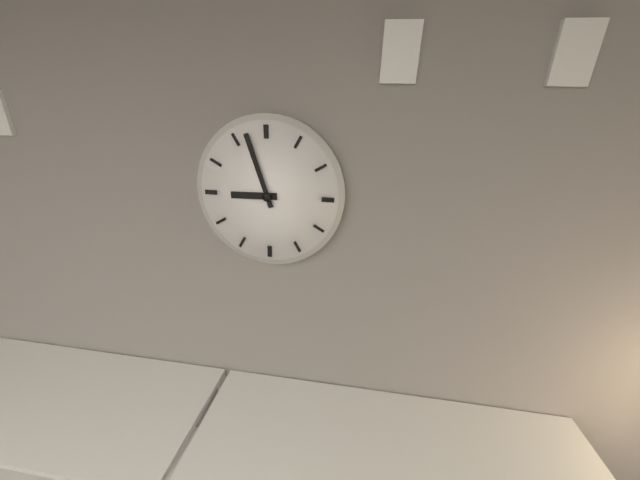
8:57
